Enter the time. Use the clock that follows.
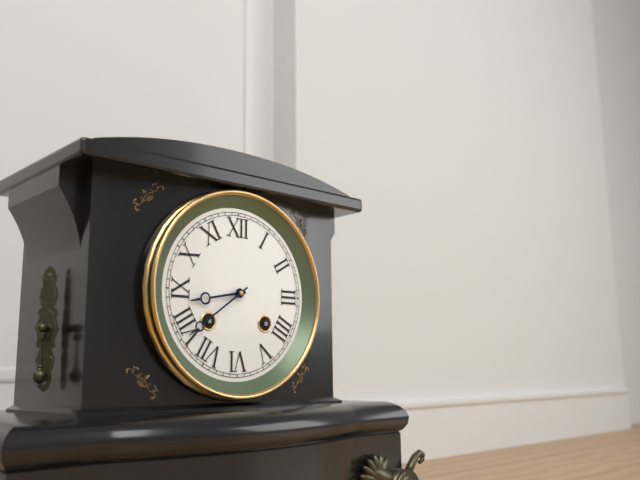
8:39
